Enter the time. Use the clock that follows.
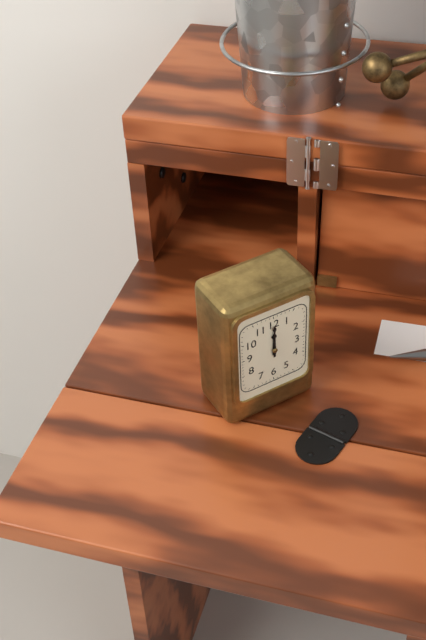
12:00
